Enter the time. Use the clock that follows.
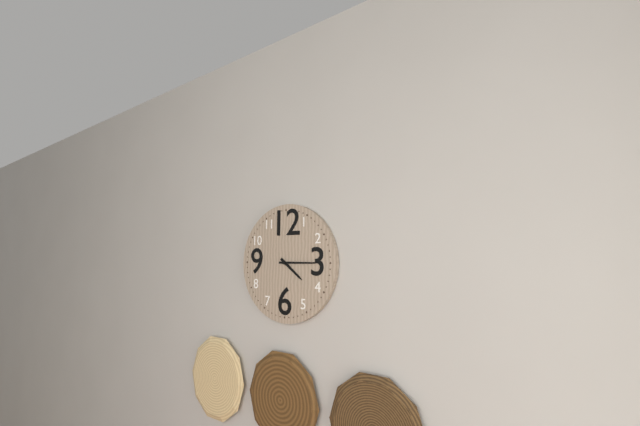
4:15
